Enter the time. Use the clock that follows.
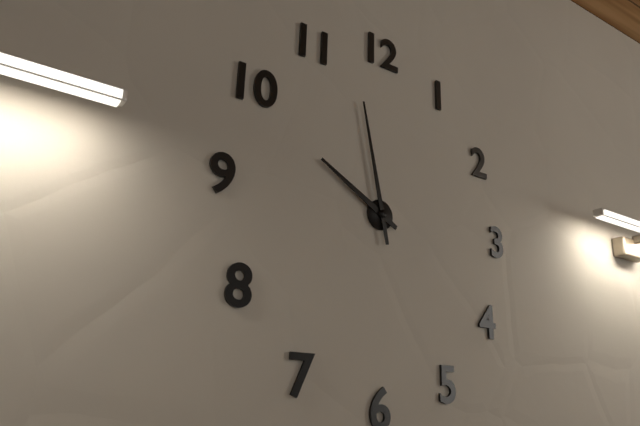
9:58
